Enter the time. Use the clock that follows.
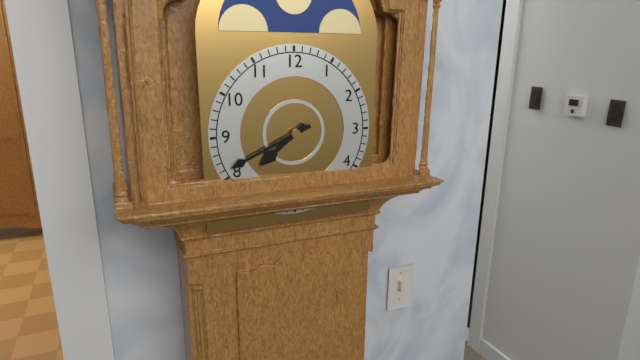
7:41
